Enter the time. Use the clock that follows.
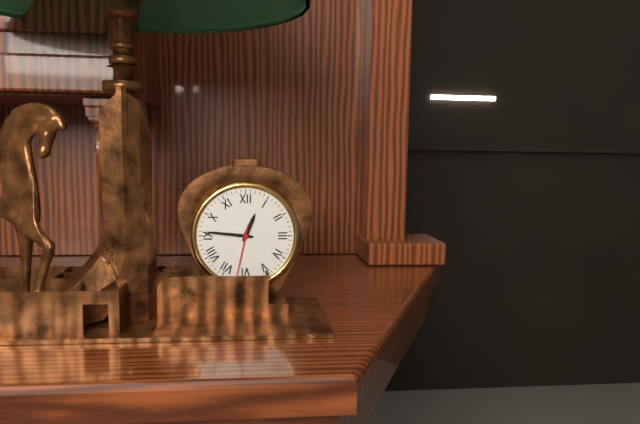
12:46:32
